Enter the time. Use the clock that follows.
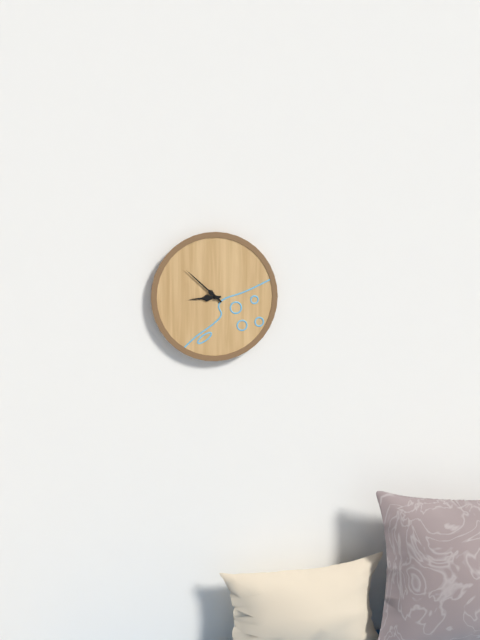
8:52
